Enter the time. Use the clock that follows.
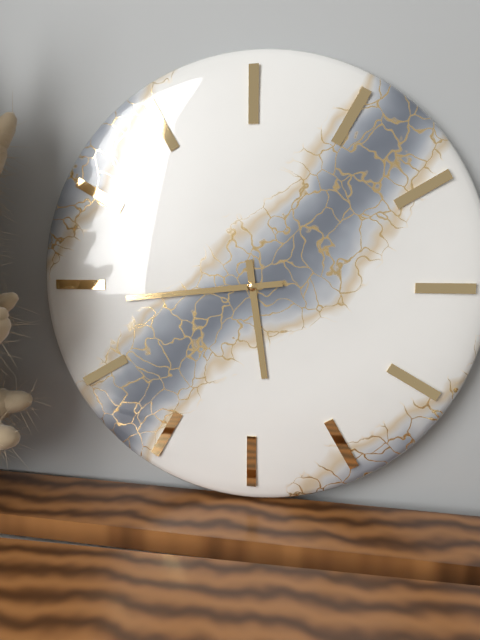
5:44
